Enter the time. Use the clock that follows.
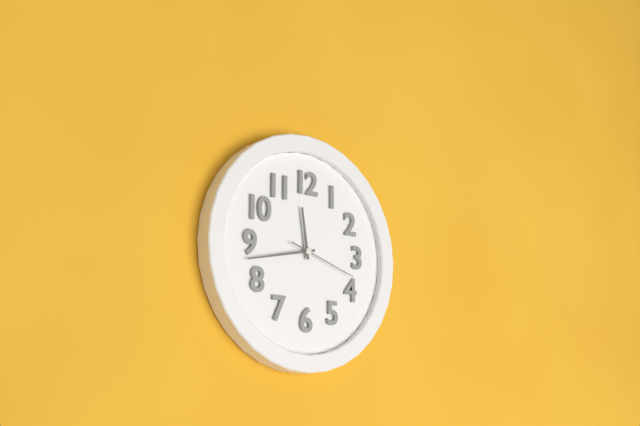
11:43:18
